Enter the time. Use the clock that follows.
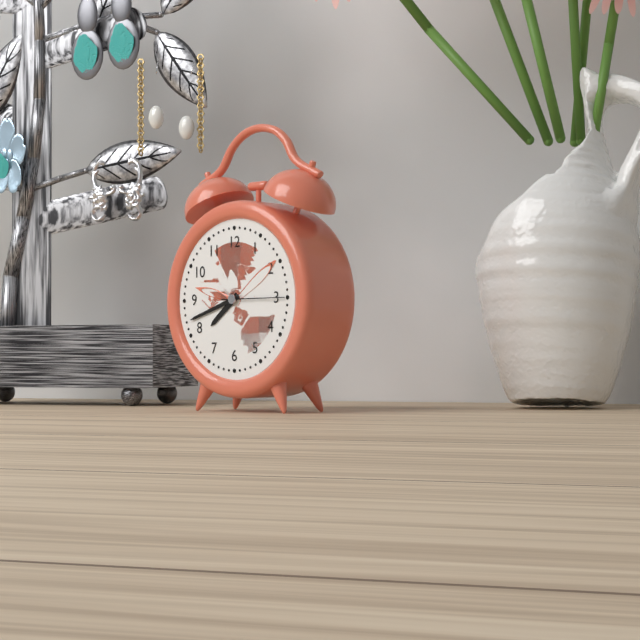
7:42:15
